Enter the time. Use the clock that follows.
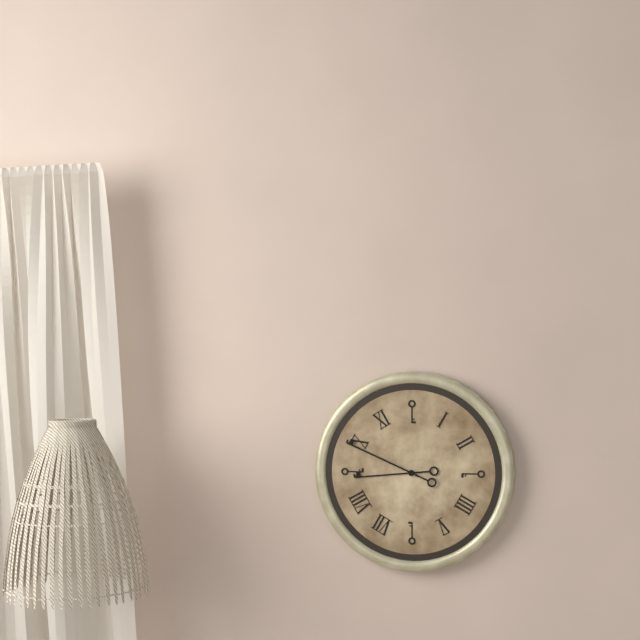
8:49
